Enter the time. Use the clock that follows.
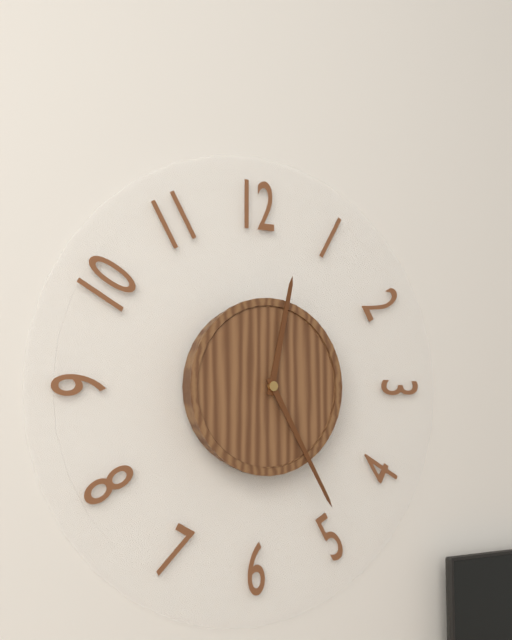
12:25
